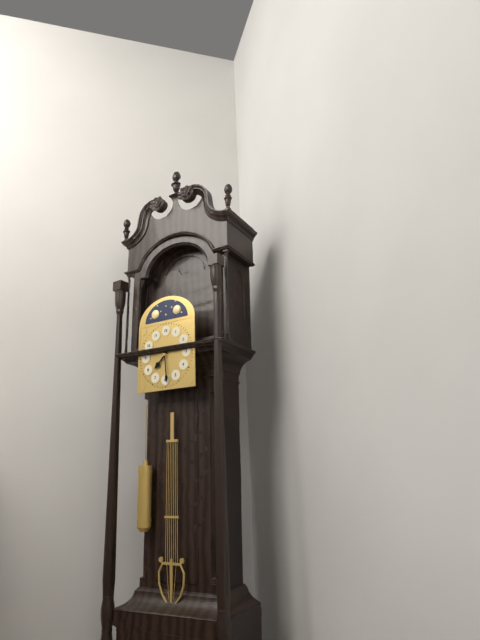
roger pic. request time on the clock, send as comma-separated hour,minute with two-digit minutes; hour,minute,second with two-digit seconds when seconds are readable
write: 7,29
